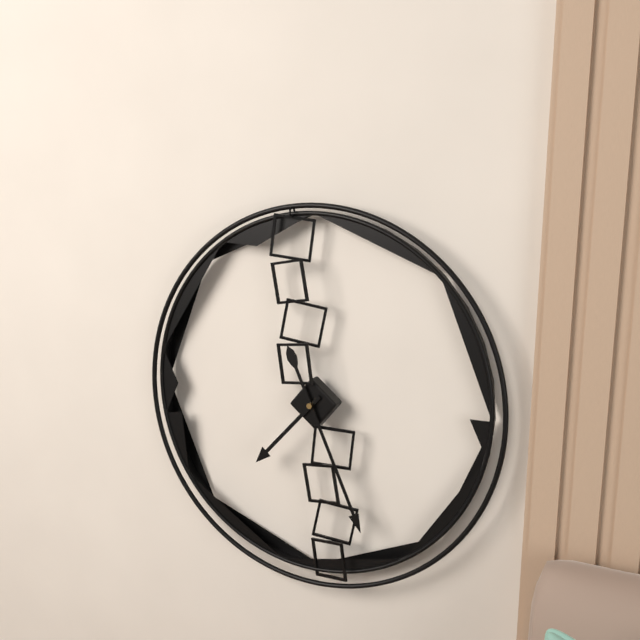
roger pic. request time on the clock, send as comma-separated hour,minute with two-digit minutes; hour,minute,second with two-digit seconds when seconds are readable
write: 7,26
